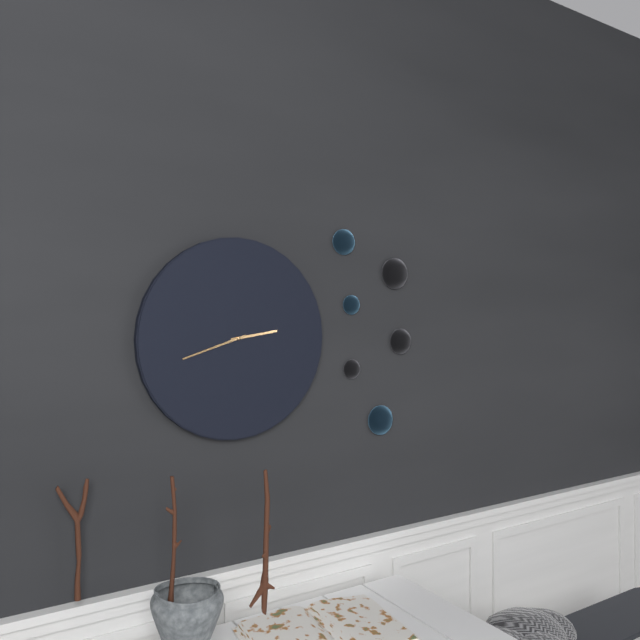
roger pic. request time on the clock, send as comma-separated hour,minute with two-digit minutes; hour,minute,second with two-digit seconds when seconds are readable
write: 2,42
